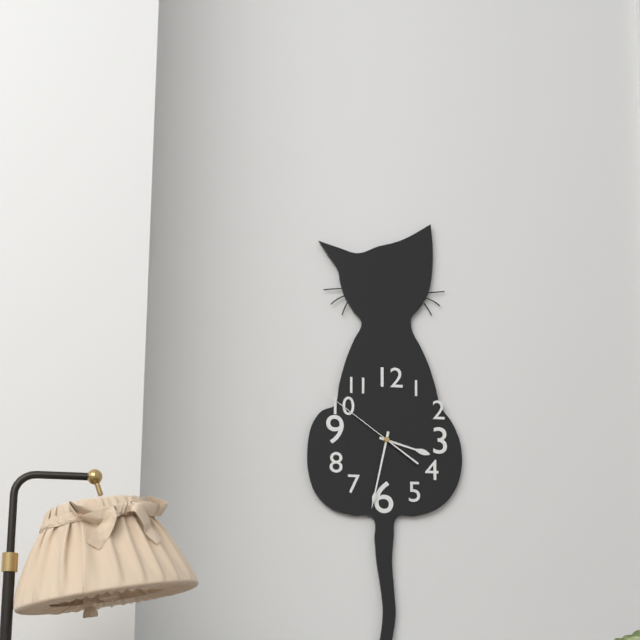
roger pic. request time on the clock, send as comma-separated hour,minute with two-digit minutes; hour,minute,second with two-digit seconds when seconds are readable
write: 3,32,51
